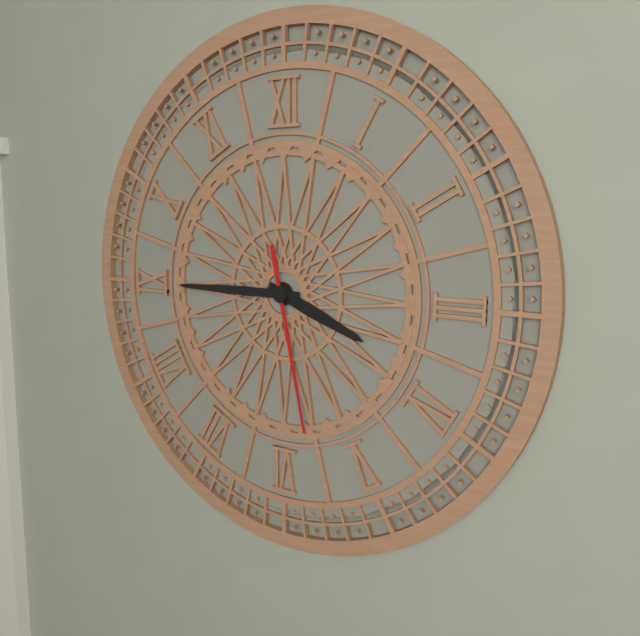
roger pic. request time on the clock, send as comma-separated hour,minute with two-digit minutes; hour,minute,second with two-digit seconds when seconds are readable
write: 3,45,28
